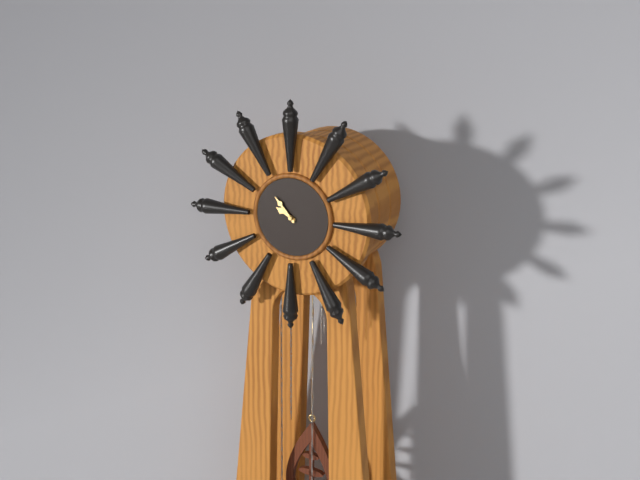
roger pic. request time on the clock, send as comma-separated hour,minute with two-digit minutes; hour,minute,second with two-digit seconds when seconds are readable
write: 9,53
